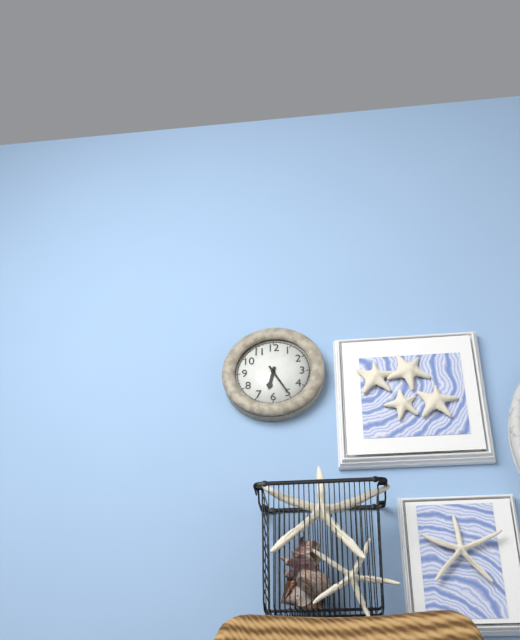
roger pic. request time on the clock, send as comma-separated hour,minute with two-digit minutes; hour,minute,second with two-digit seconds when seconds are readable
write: 6,25
